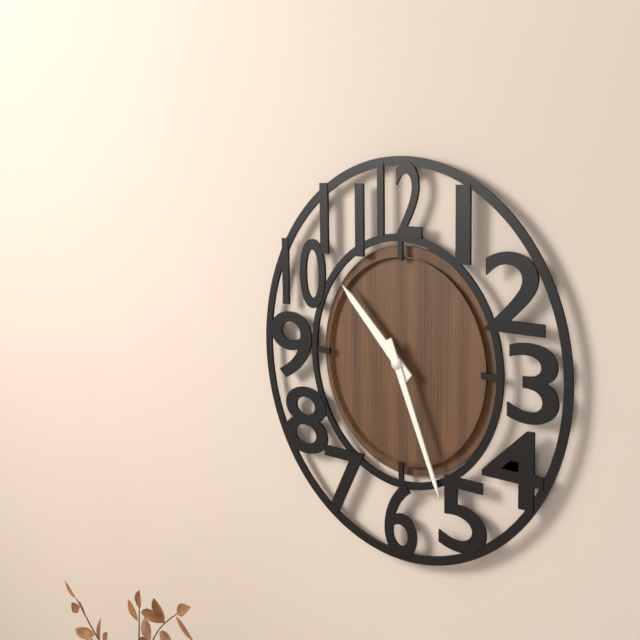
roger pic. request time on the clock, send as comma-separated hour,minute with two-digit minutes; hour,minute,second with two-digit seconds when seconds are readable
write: 10,26
